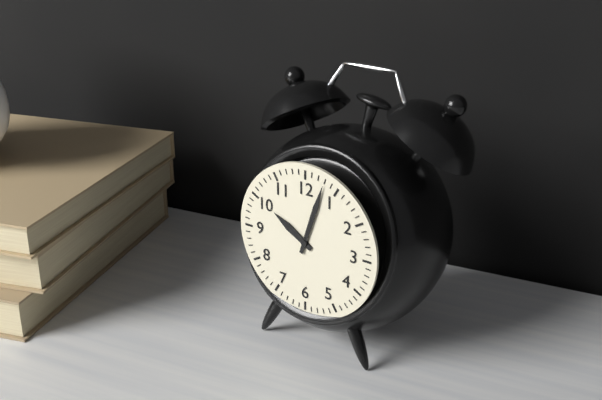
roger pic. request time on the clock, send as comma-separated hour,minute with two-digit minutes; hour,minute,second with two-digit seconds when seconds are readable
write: 10,03
